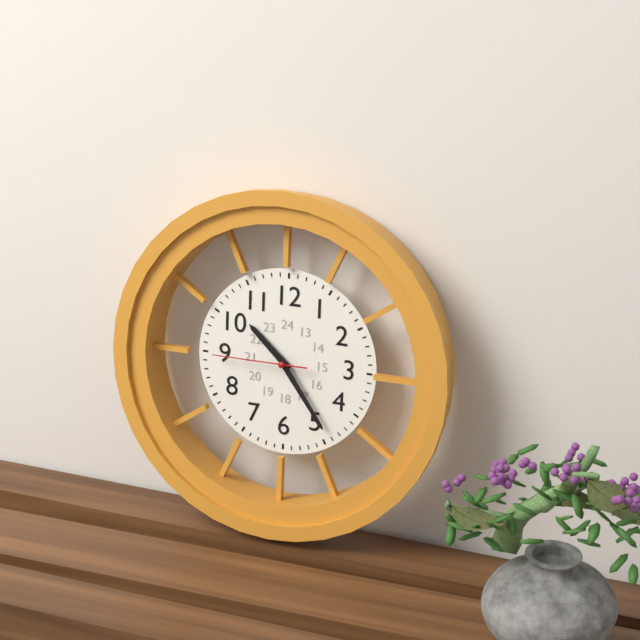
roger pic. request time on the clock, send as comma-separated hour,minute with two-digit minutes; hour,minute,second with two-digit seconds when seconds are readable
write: 10,24,45
